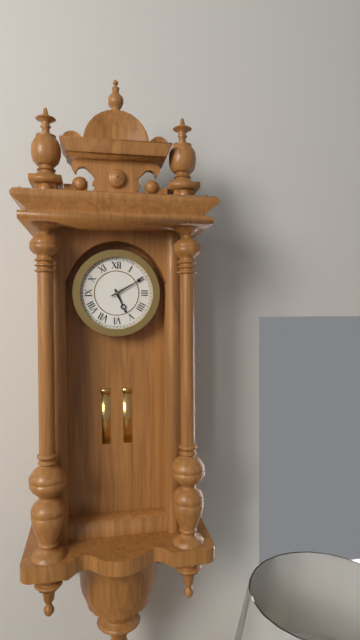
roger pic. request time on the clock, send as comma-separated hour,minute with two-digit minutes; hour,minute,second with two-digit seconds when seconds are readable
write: 5,10
